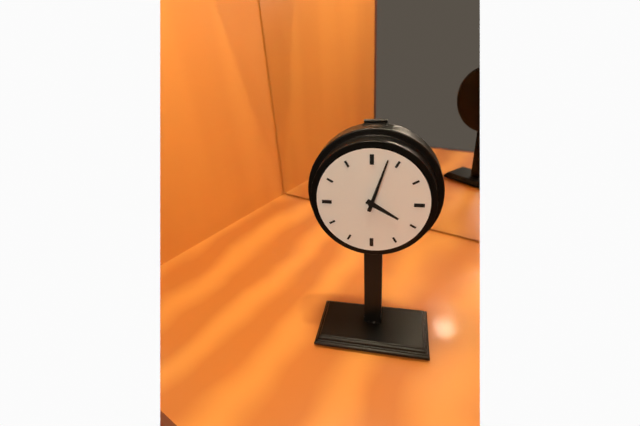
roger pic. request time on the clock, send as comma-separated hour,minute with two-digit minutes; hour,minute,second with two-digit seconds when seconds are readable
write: 4,03
